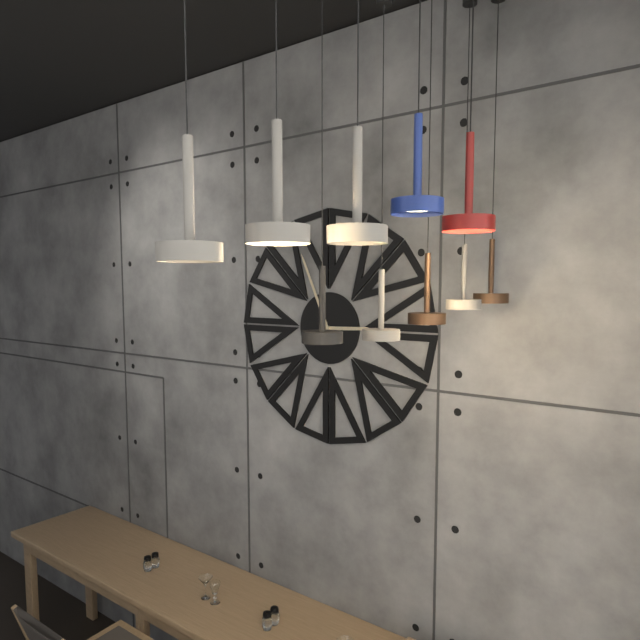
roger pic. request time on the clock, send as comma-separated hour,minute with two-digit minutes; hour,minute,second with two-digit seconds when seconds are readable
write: 2,56
